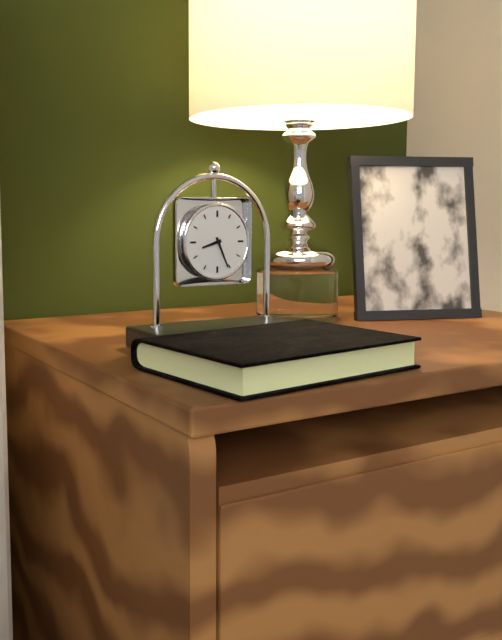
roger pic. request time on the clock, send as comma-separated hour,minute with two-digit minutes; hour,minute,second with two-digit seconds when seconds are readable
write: 8,26
